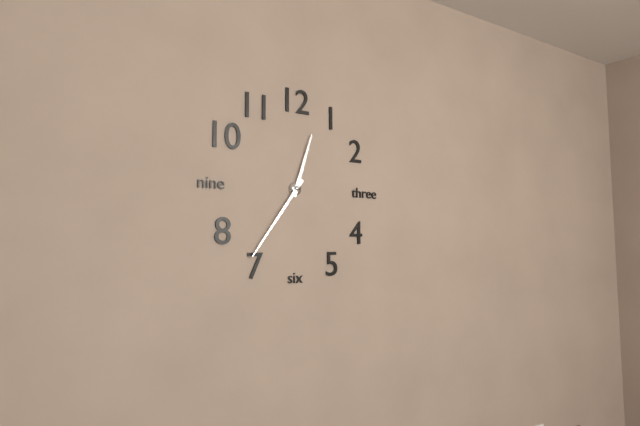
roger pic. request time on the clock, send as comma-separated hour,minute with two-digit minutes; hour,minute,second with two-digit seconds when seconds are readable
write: 12,36
